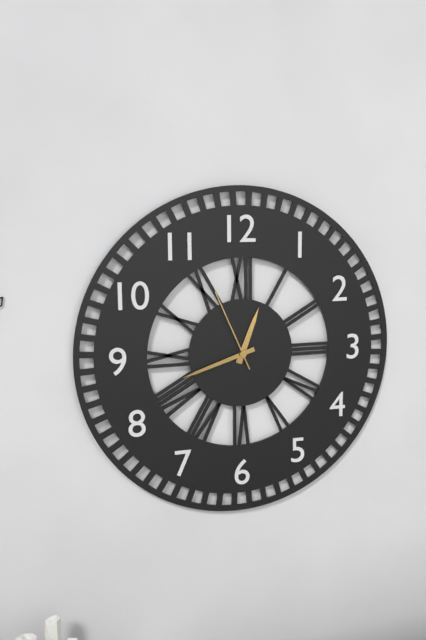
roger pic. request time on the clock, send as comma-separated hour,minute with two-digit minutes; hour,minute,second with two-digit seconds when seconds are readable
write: 12,42,56
